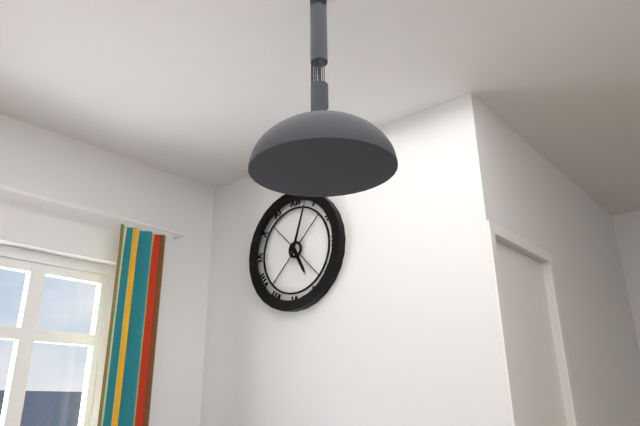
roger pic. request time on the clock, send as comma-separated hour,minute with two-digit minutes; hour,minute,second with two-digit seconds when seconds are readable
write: 5,03
